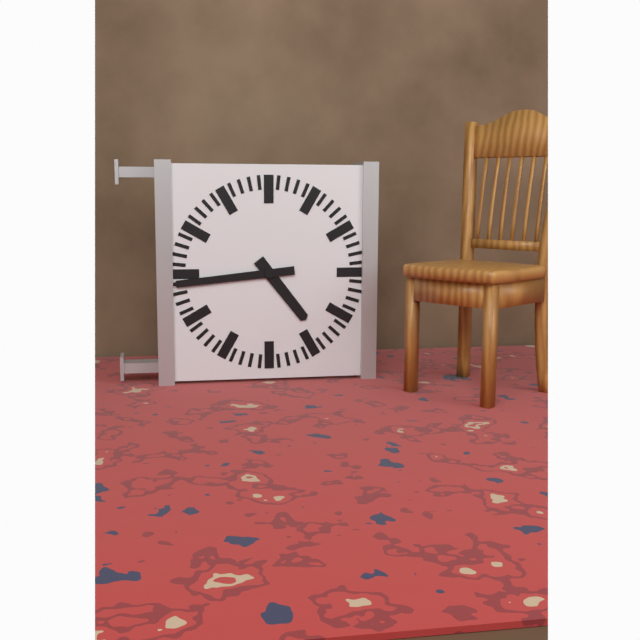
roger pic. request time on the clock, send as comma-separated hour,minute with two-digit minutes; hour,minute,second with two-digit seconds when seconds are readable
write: 4,44
